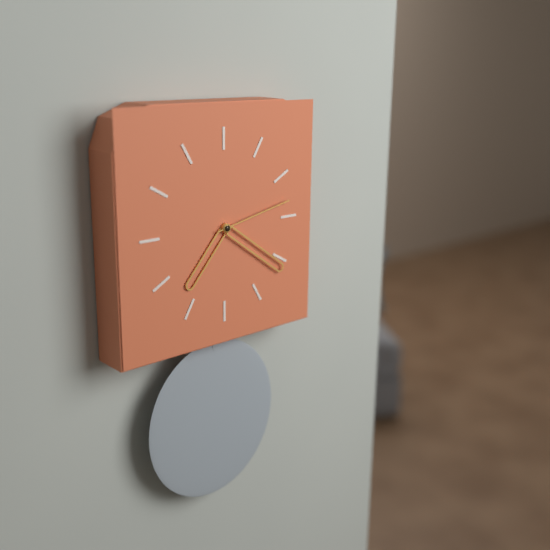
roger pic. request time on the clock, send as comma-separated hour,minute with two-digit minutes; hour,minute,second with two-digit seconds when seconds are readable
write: 7,21,13
